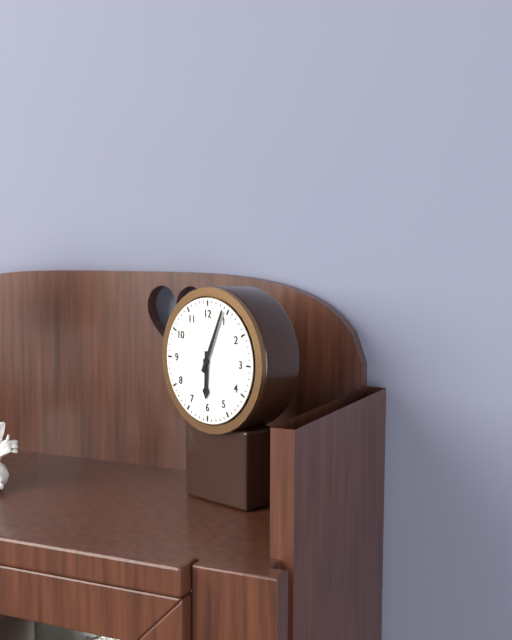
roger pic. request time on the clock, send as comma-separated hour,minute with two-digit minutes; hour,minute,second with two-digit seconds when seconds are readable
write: 6,04
